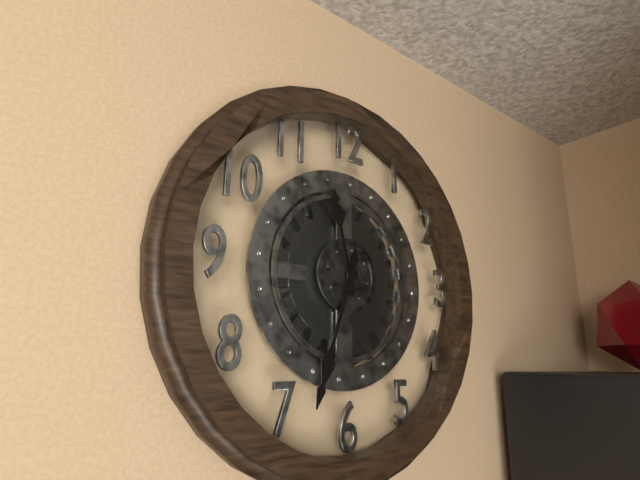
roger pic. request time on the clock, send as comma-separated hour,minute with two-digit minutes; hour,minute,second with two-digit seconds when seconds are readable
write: 11,33
